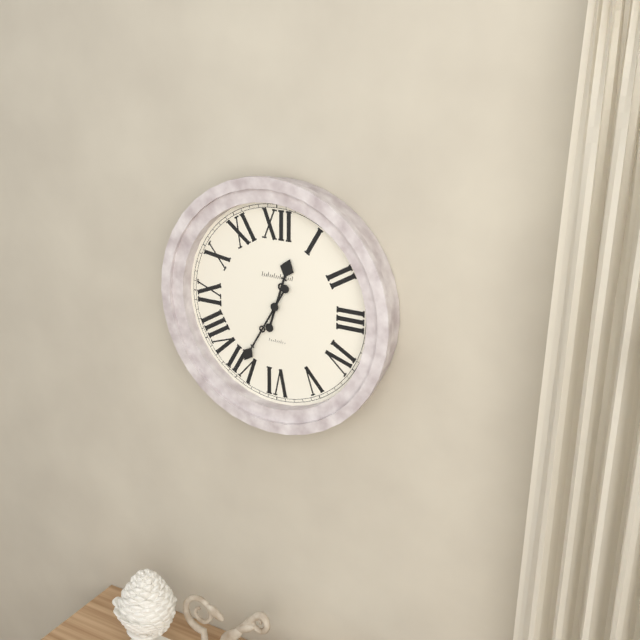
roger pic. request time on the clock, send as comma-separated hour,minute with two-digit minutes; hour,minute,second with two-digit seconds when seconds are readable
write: 12,35
